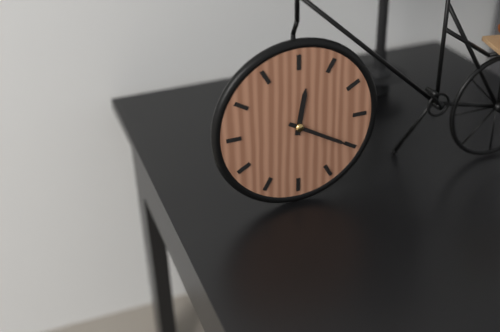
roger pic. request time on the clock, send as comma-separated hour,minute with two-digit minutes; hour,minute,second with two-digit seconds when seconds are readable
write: 12,20
